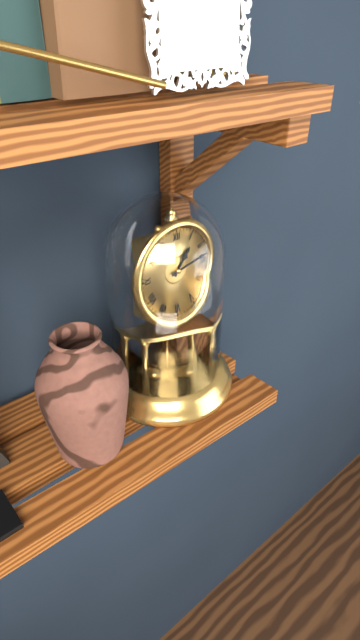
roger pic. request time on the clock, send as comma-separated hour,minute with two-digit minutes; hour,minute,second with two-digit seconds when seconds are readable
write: 1,13
